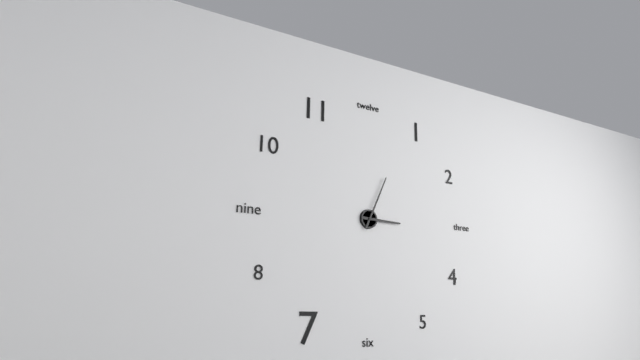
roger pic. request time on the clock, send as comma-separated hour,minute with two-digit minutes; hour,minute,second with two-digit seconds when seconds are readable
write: 3,04
